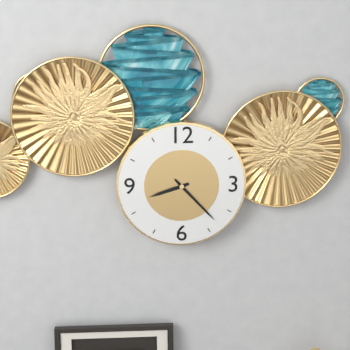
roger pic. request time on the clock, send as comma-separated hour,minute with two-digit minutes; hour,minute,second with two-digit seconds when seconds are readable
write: 8,23
